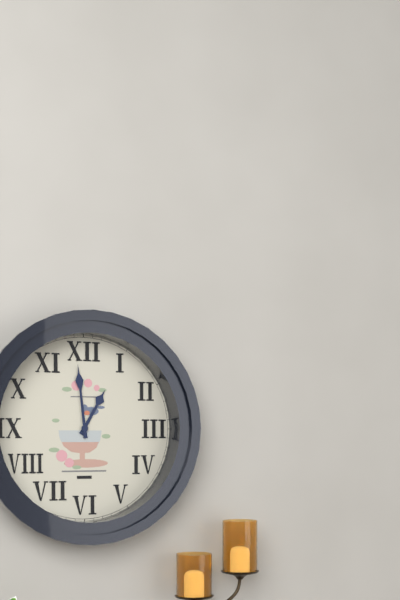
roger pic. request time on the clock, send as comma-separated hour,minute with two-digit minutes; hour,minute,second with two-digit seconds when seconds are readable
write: 12,59
